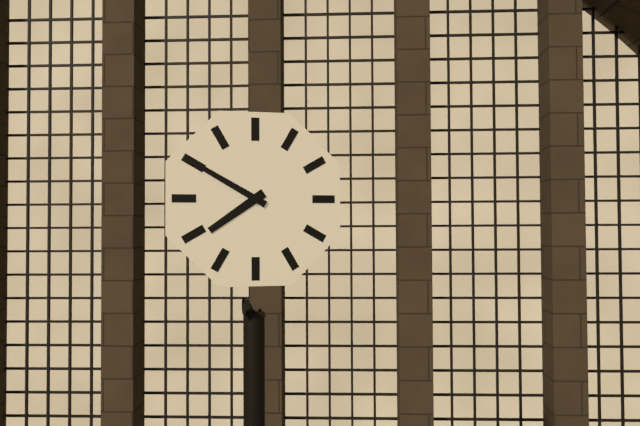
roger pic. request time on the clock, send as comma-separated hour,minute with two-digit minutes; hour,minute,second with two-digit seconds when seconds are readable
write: 7,50
